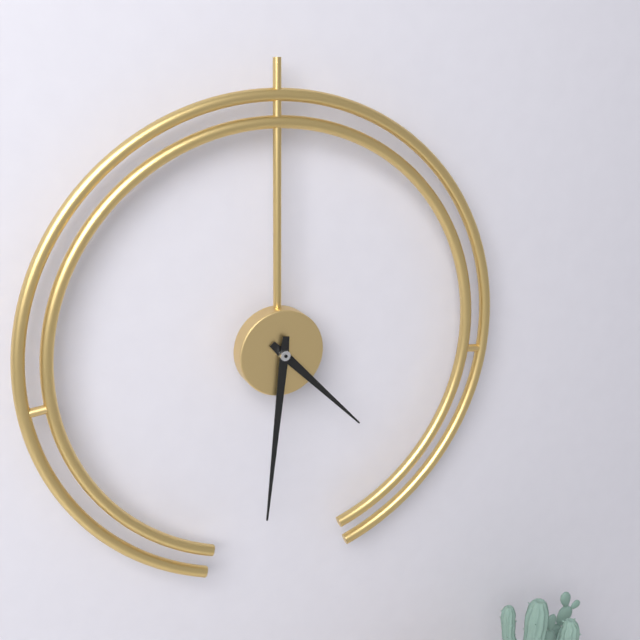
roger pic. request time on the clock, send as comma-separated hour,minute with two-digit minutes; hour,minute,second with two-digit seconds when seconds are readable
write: 4,31
